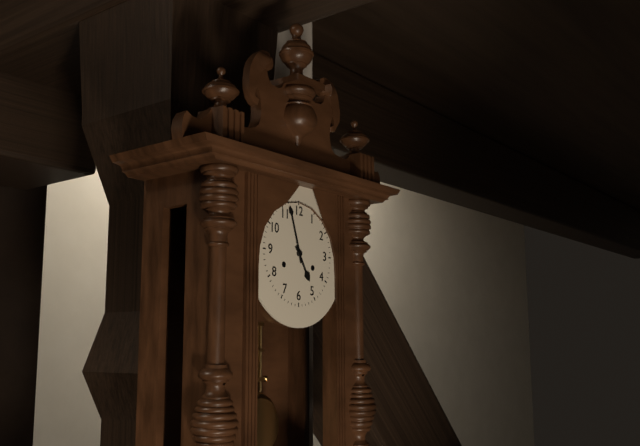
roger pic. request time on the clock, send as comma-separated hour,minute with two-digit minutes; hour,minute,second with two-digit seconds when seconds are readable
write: 4,57
